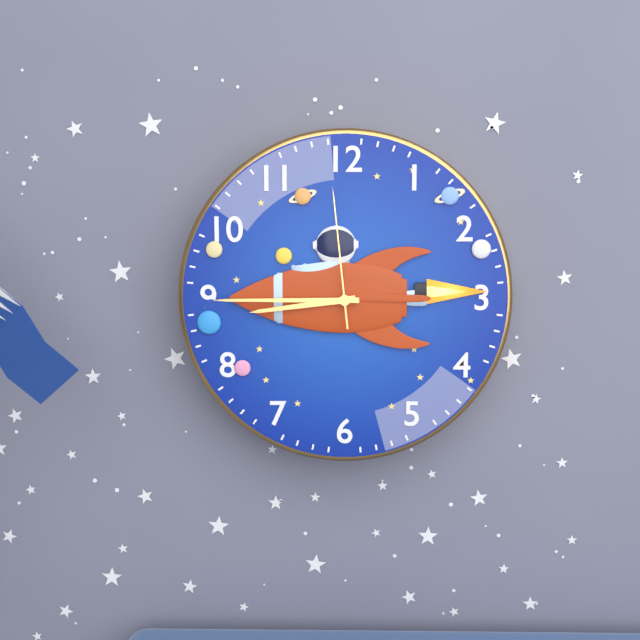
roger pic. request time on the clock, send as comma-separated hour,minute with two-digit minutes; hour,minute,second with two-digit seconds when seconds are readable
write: 8,45,59
